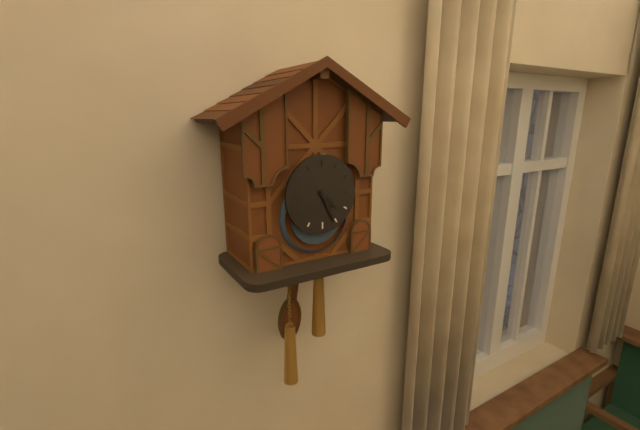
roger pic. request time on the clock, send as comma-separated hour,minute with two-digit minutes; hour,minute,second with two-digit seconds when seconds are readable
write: 4,26
